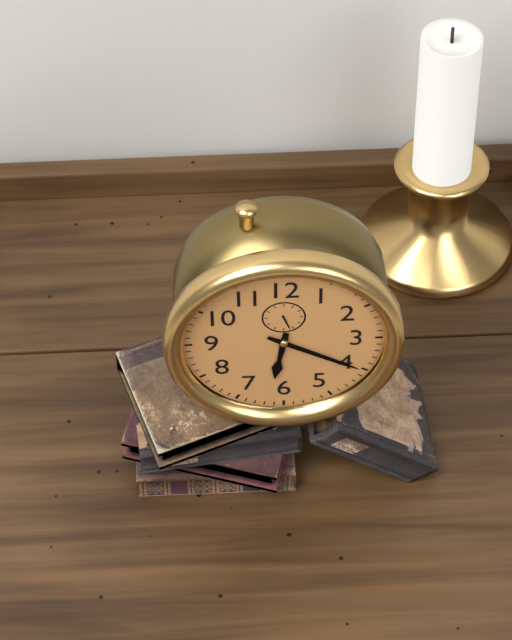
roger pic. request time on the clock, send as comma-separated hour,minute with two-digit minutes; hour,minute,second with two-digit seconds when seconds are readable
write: 6,20
